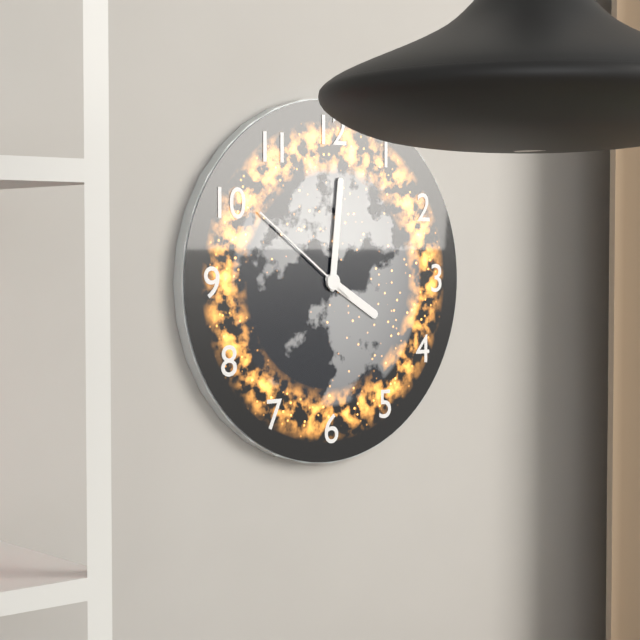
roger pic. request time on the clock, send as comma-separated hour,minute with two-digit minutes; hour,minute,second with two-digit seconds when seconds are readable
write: 4,01,51
